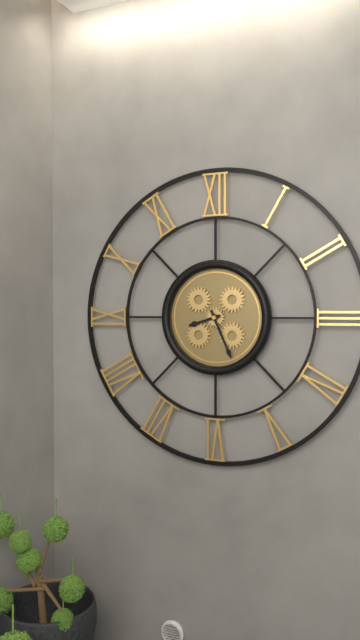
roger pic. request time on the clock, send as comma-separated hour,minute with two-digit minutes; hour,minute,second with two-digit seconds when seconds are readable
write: 8,26
